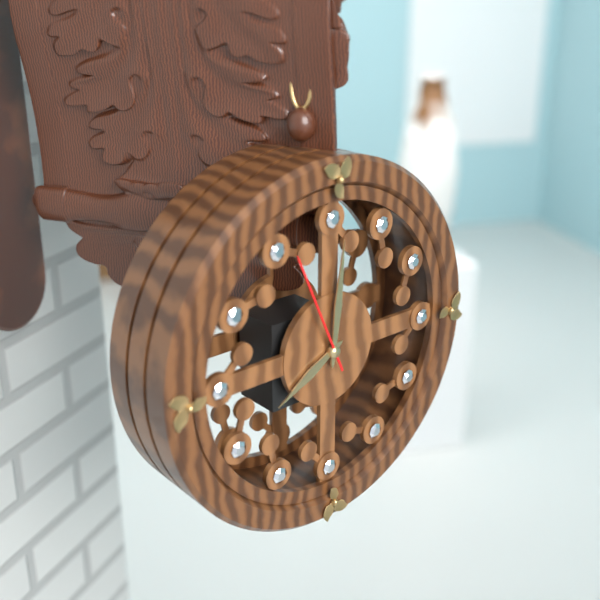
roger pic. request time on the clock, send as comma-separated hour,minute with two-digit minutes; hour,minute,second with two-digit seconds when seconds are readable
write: 8,01,56
